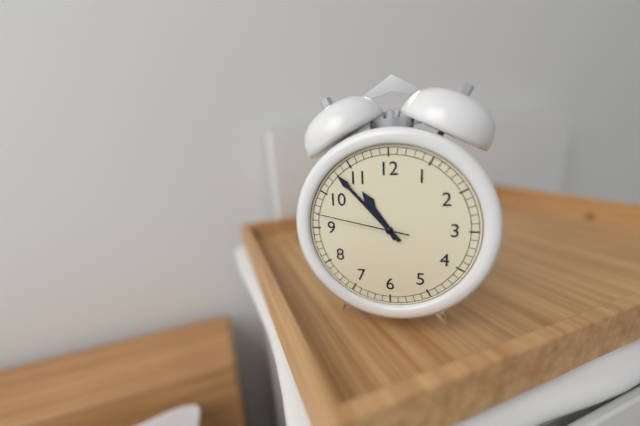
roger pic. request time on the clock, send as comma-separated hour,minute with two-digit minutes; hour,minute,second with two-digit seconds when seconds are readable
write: 10,53,47
